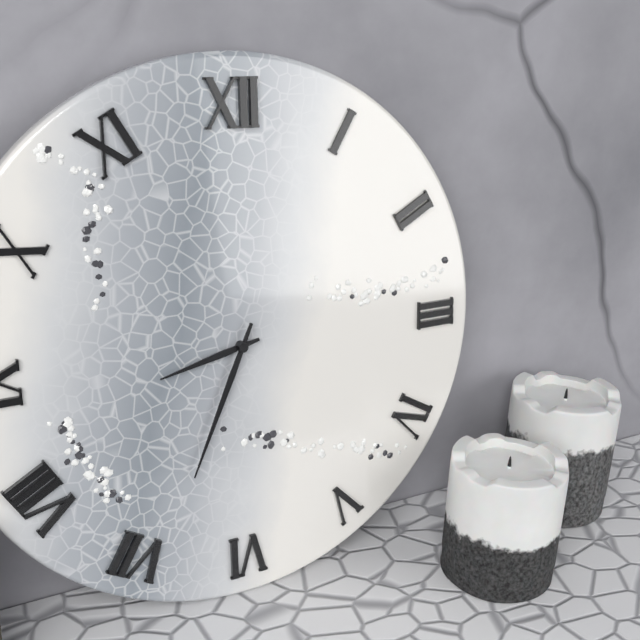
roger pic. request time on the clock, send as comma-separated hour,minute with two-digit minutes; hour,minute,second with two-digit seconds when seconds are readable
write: 8,34
